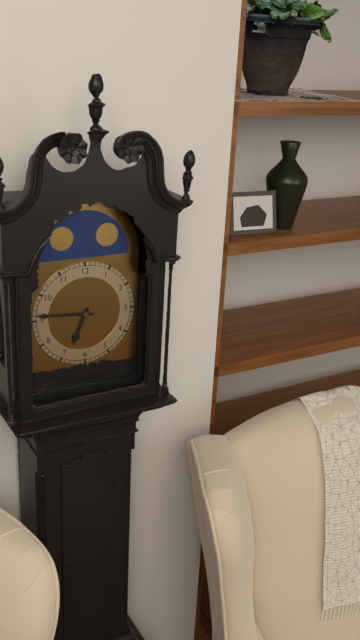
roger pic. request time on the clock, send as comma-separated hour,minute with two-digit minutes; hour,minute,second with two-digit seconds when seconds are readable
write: 6,46
